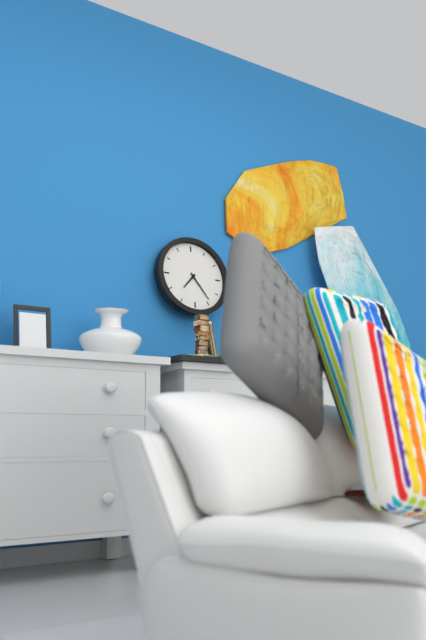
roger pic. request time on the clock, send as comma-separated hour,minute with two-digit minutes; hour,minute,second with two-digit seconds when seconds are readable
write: 7,24
